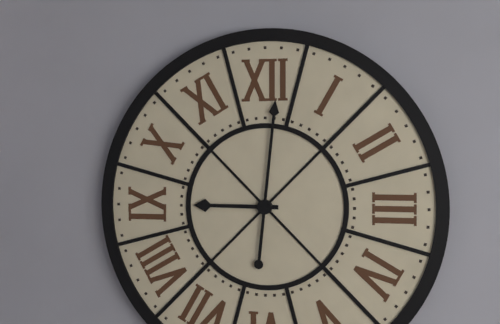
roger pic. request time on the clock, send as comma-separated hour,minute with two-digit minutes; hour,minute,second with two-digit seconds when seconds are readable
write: 9,01
